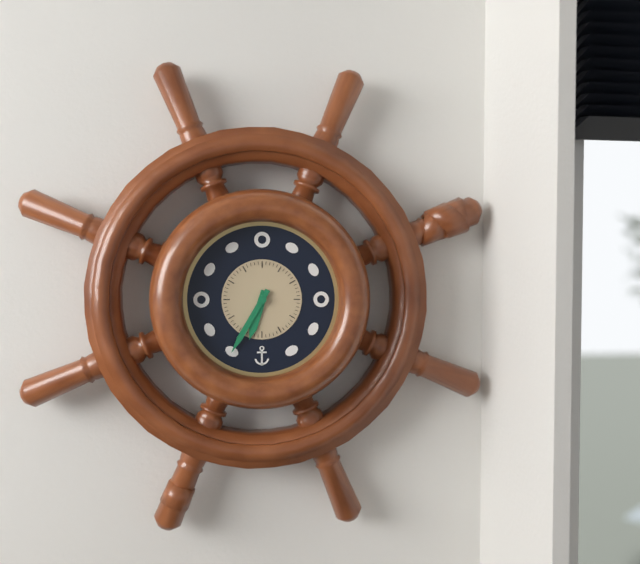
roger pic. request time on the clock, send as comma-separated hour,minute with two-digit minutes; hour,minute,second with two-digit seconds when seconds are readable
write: 6,35
